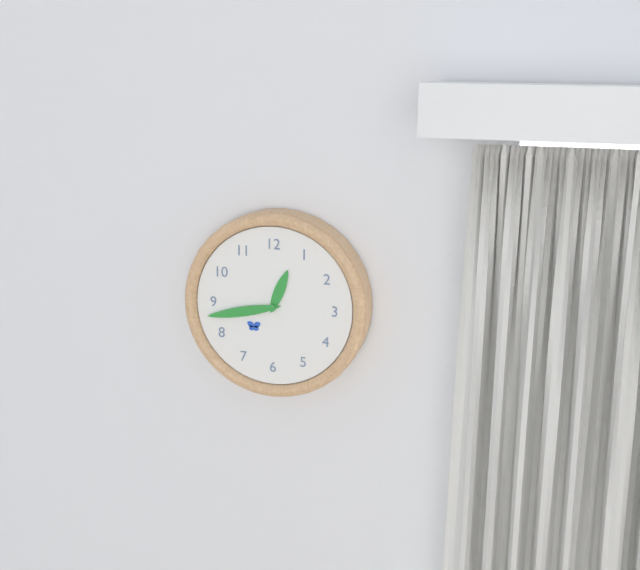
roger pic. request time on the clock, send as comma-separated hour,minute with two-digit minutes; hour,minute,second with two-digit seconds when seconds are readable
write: 12,43
